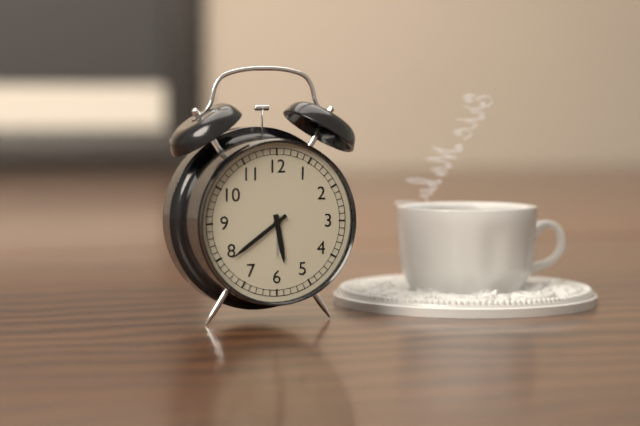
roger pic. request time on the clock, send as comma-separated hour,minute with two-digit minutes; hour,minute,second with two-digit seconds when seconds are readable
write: 5,39
